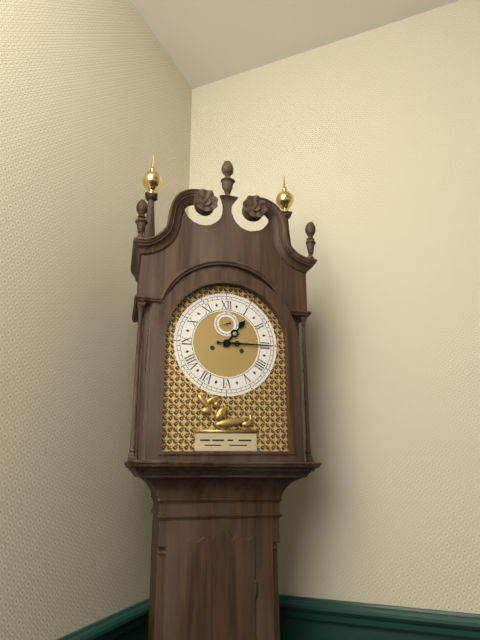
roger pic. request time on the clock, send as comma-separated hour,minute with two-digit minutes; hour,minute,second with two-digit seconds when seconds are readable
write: 1,15
